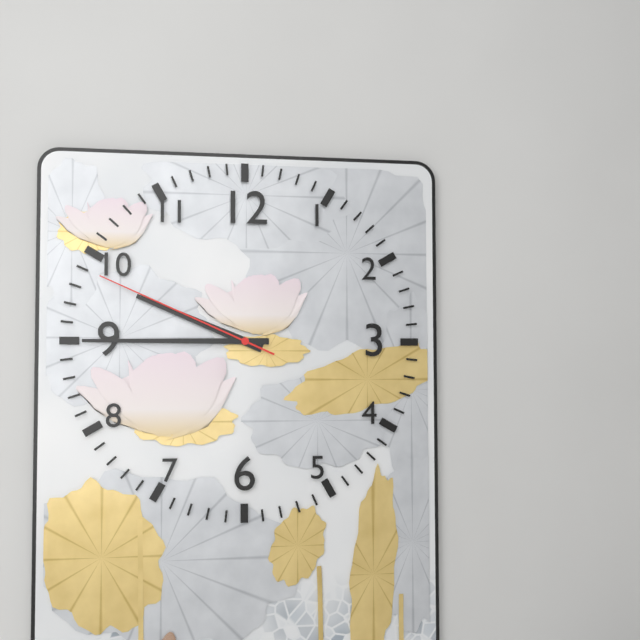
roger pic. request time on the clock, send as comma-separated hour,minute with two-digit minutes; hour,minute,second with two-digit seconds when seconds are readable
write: 9,45,49
